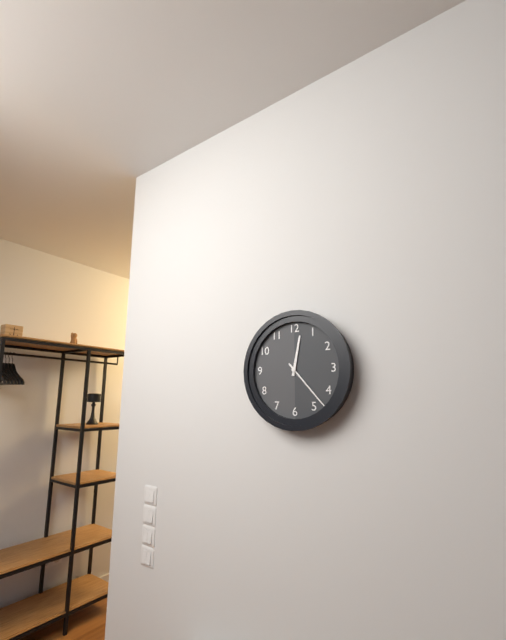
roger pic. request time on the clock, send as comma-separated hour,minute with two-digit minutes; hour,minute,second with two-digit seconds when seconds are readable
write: 12,23
